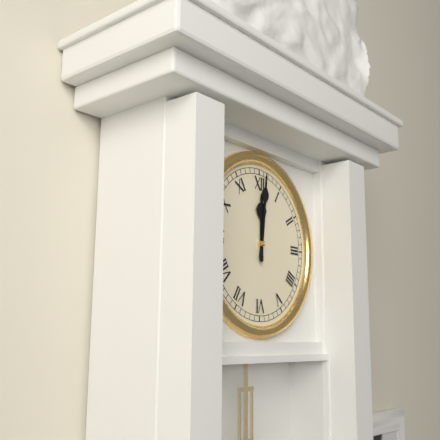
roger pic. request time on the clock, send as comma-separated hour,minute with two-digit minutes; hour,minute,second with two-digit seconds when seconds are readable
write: 12,01
